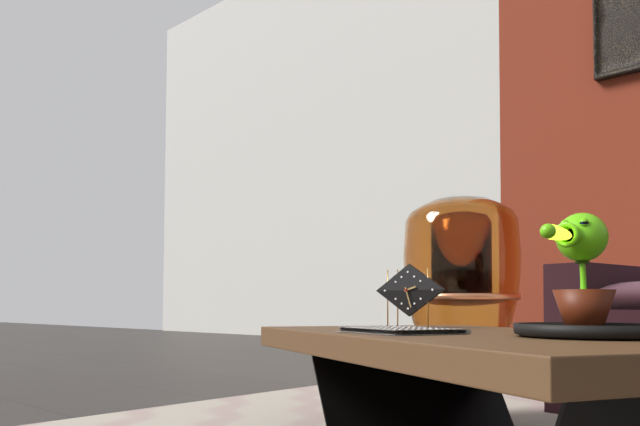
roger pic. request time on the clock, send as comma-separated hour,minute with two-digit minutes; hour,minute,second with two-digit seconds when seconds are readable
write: 2,27
